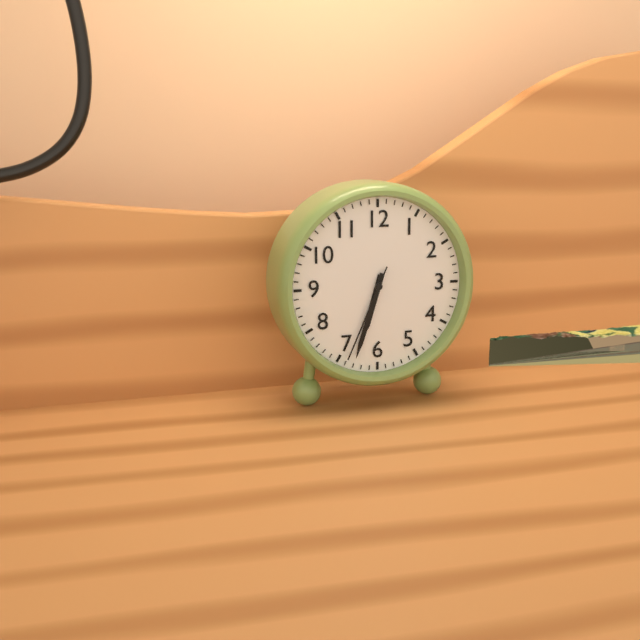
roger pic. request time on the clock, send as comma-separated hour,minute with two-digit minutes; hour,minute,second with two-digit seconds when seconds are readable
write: 6,33,34
